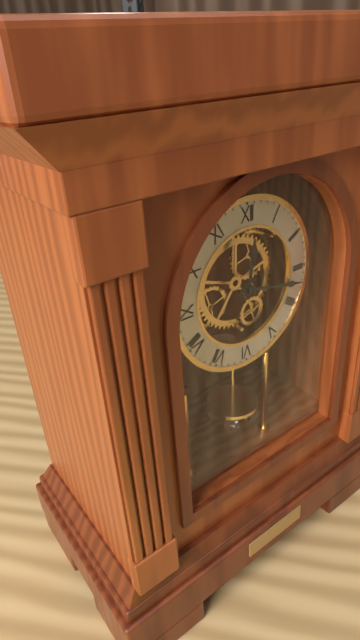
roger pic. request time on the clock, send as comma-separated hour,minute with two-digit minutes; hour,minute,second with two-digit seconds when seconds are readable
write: 12,17
